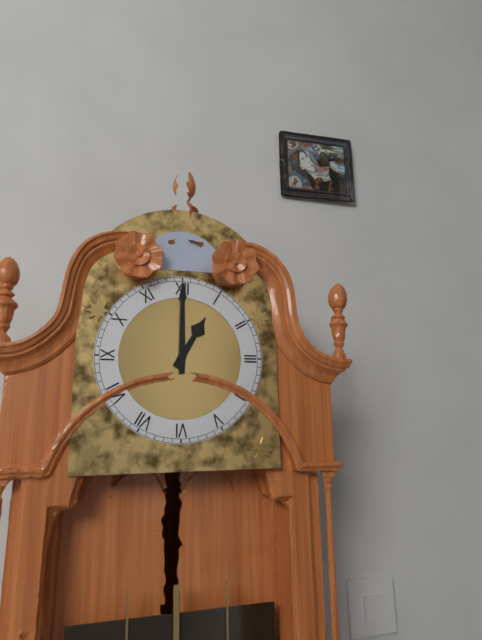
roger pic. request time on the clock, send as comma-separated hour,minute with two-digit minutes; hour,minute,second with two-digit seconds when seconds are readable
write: 1,00
